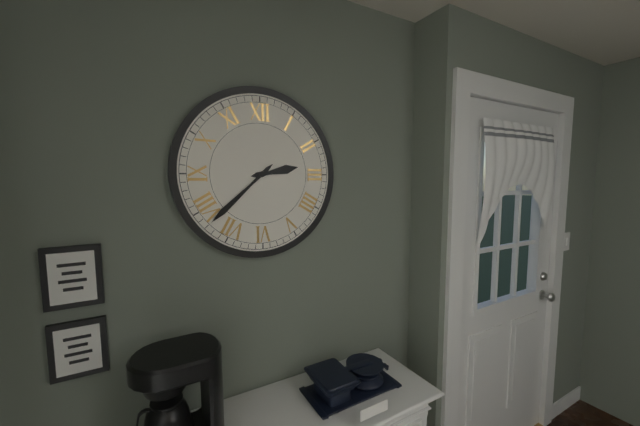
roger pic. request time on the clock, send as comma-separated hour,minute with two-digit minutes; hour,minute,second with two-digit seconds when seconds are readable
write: 2,38
